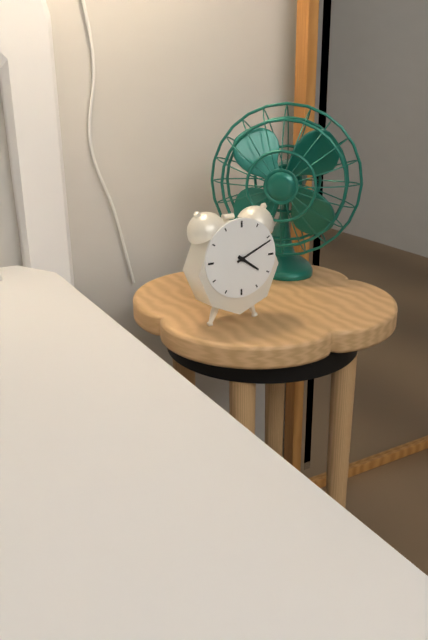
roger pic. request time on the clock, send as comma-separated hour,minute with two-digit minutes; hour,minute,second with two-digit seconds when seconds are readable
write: 4,11
